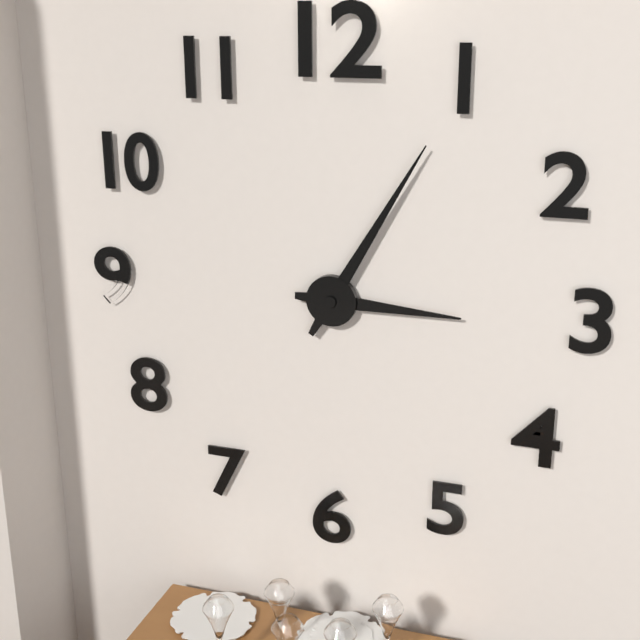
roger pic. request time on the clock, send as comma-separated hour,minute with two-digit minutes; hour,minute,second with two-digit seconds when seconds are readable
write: 3,05
